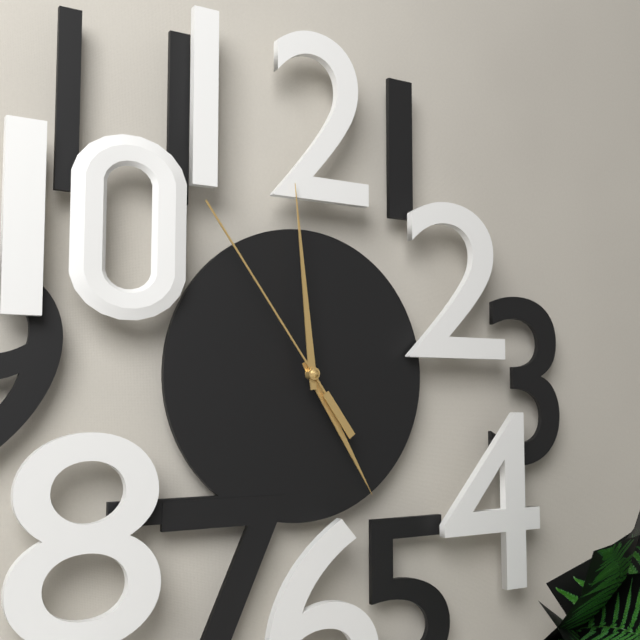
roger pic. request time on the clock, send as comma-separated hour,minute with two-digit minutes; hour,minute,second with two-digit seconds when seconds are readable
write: 4,59,54
